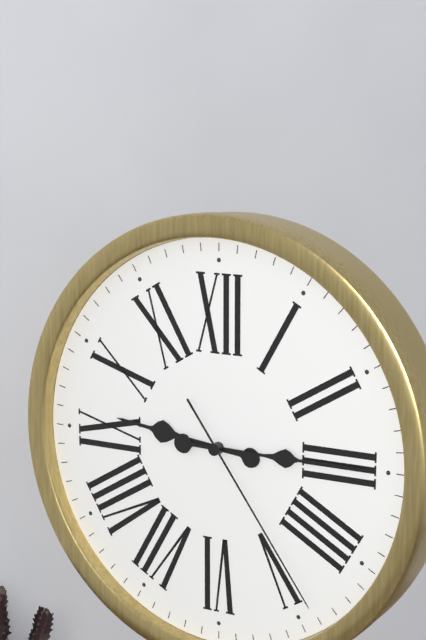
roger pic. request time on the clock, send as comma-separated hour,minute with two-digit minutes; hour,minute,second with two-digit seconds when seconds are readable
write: 9,15,24
